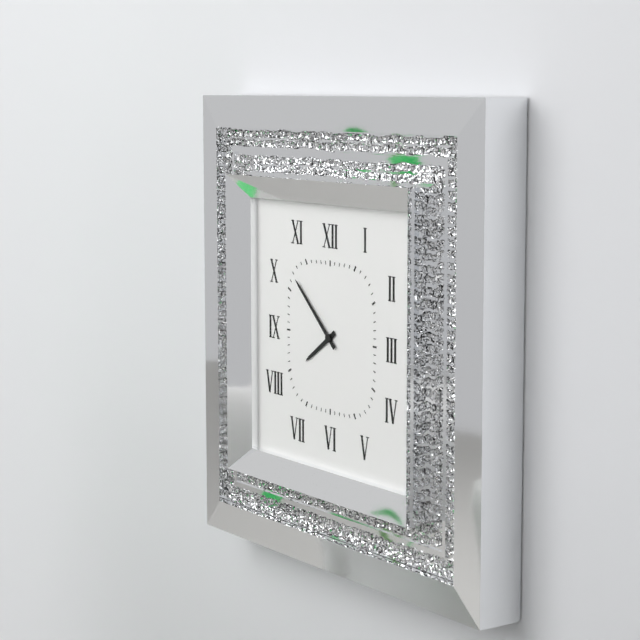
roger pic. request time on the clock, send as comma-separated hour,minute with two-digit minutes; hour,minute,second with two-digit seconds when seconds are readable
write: 7,52
